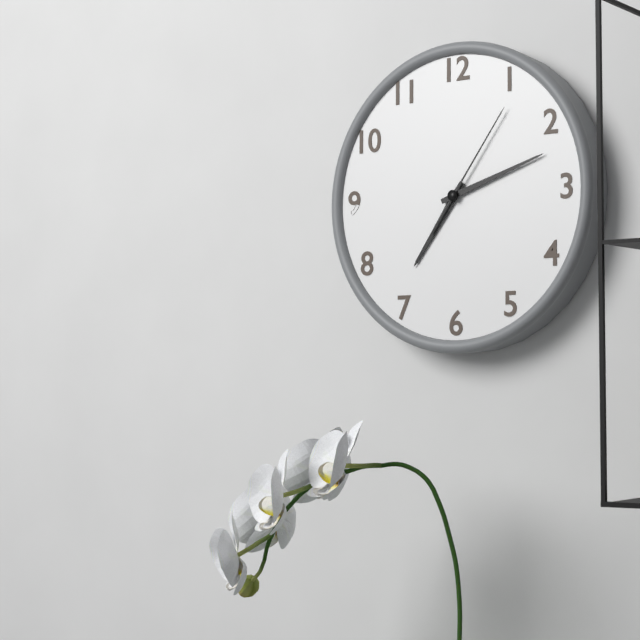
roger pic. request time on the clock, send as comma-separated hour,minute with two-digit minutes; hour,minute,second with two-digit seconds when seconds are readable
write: 7,12,06
